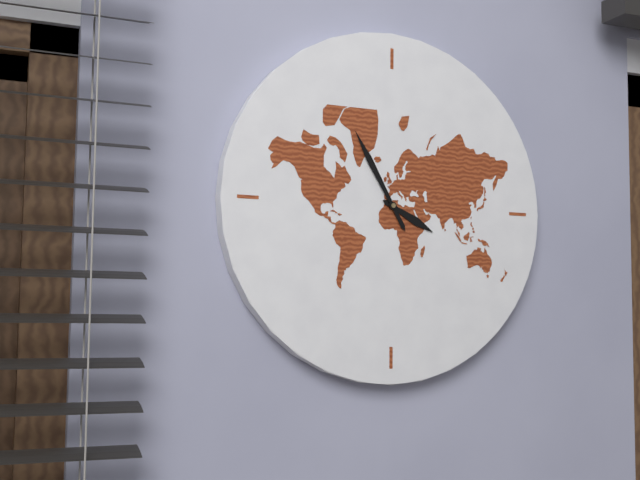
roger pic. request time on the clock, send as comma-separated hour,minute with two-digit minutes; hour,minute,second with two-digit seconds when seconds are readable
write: 3,55
